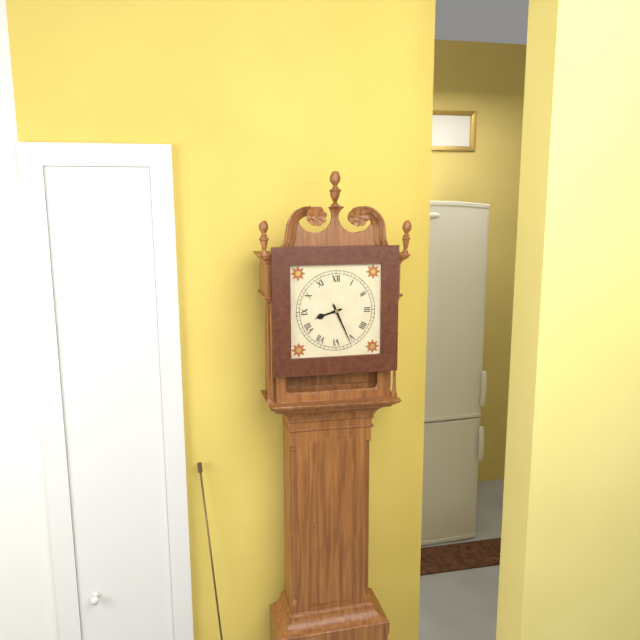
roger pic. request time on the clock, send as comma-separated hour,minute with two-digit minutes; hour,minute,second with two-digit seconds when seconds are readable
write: 8,26
